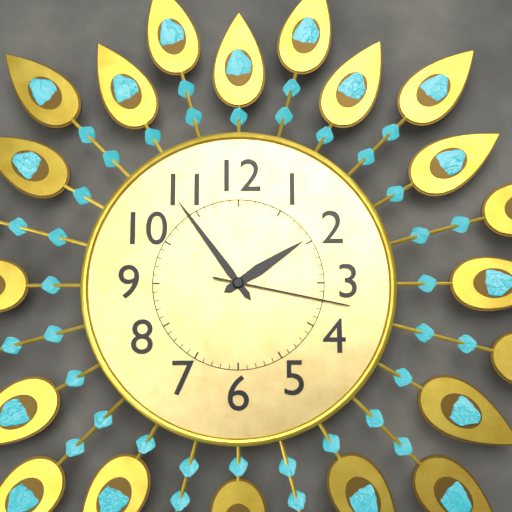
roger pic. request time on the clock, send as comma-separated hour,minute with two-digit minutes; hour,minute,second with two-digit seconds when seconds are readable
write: 1,54,17
